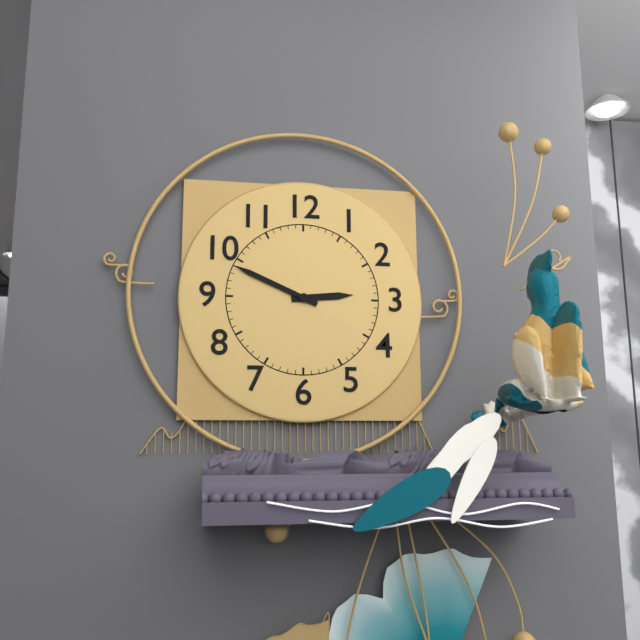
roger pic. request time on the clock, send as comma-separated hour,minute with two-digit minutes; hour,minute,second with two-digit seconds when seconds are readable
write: 2,49
